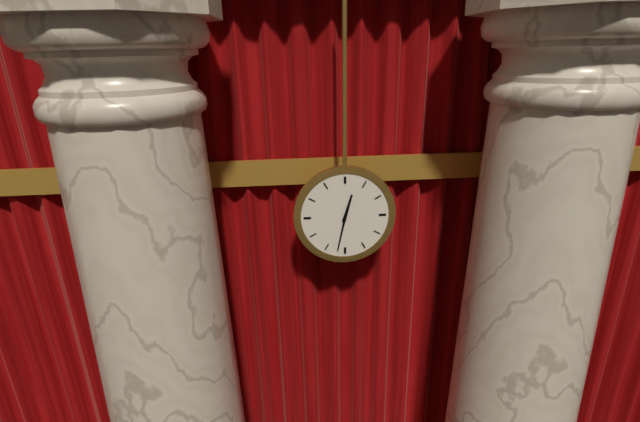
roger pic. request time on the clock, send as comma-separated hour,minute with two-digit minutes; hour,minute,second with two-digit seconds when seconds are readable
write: 12,32
